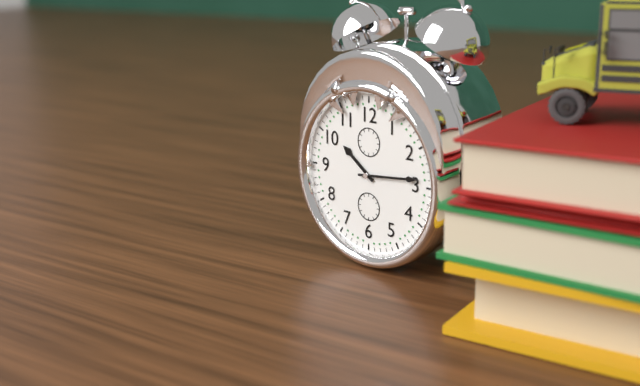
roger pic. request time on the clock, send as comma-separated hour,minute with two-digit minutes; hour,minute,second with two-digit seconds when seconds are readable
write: 10,14
